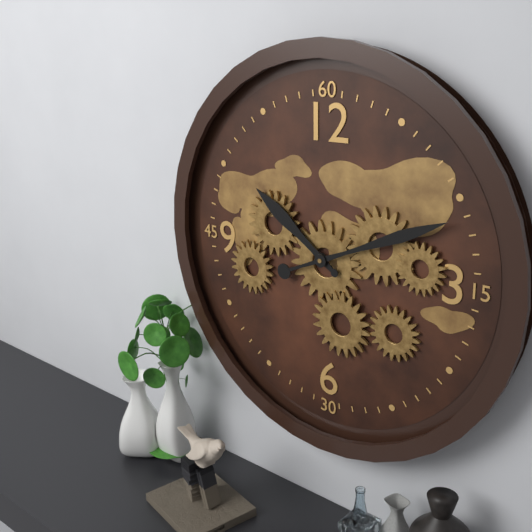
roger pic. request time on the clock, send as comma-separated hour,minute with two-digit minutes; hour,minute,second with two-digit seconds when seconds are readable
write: 10,11
